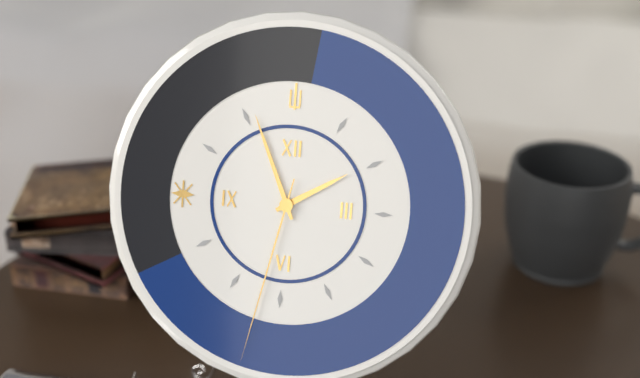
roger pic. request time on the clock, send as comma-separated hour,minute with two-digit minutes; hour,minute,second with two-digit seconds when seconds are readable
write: 1,56,32
